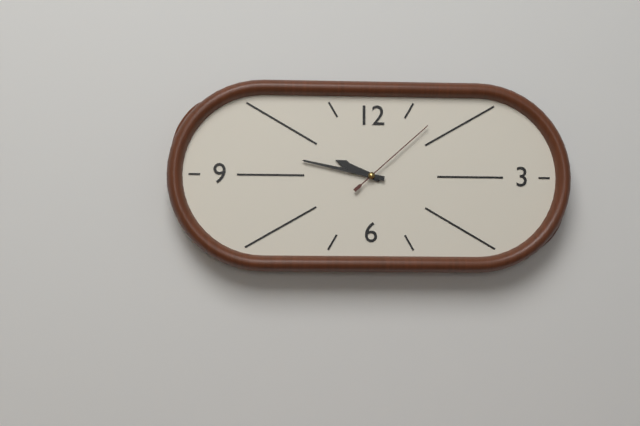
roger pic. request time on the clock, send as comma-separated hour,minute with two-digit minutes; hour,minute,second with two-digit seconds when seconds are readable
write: 9,47,08
